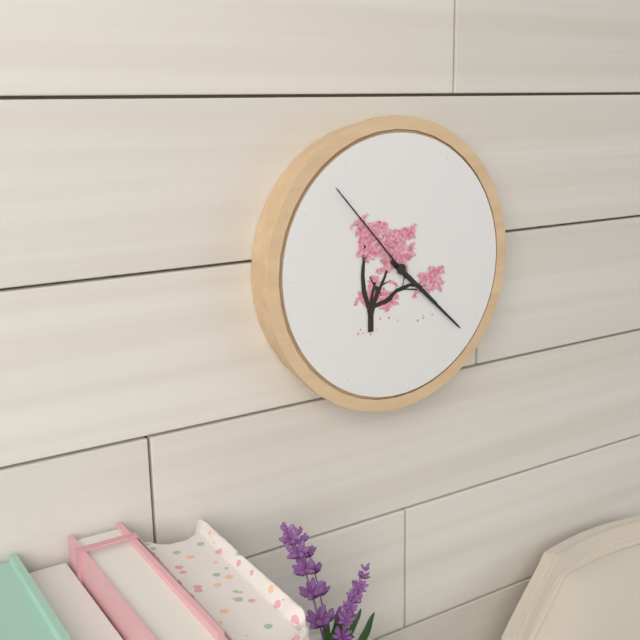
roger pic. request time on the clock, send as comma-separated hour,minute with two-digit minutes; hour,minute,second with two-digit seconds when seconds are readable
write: 4,22,53
